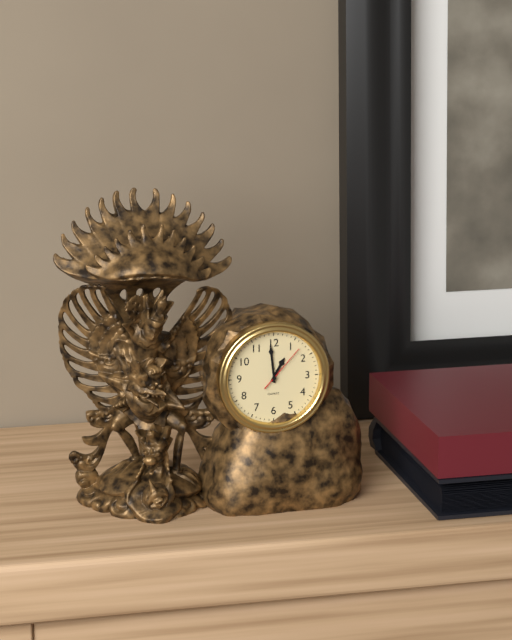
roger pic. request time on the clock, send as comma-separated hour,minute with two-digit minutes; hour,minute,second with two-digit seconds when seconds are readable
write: 12,59
